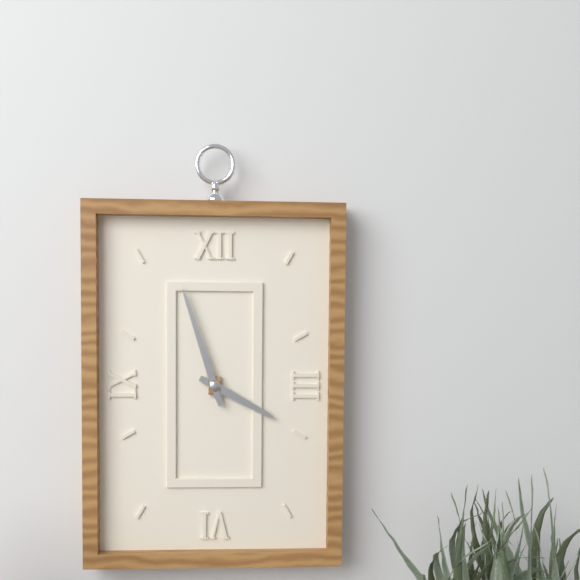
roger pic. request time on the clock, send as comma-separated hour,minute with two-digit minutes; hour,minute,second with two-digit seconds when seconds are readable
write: 3,57
